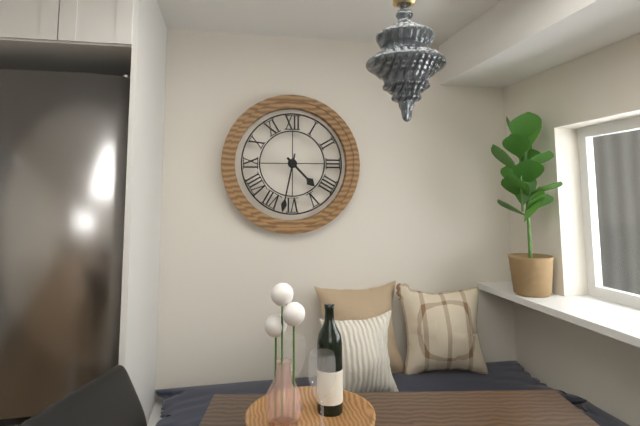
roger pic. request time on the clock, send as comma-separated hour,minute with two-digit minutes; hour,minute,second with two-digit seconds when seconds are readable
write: 4,32
